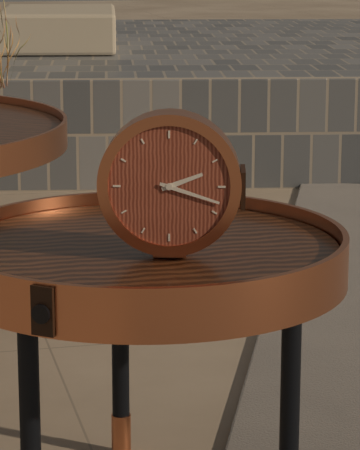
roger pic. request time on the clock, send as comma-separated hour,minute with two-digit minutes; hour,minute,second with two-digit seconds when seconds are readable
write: 2,18
